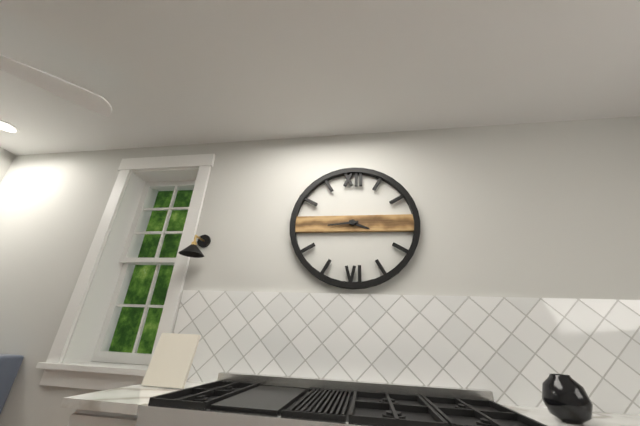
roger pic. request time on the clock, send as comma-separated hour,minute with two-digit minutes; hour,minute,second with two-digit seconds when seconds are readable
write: 3,44
